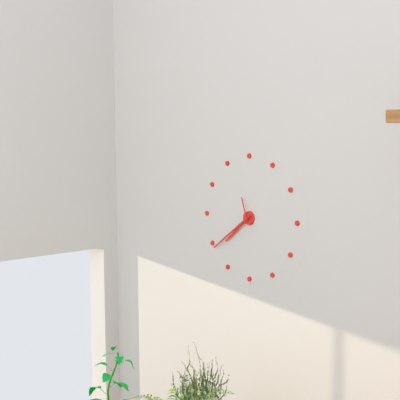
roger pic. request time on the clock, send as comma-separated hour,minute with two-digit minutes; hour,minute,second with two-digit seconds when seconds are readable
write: 7,39
